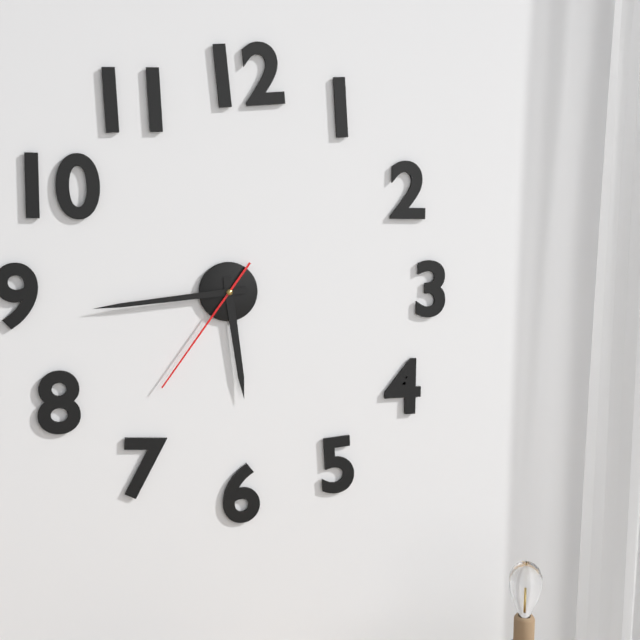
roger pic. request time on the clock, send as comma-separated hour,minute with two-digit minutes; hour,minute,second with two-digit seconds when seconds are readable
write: 5,44,36
